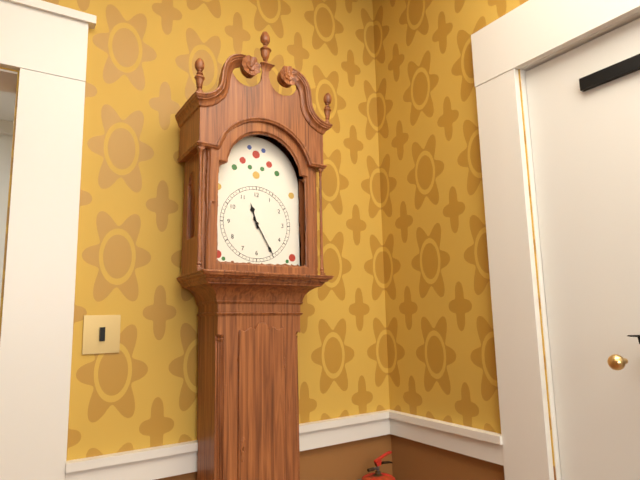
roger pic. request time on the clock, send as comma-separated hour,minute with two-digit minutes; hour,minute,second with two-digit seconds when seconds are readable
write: 11,25
